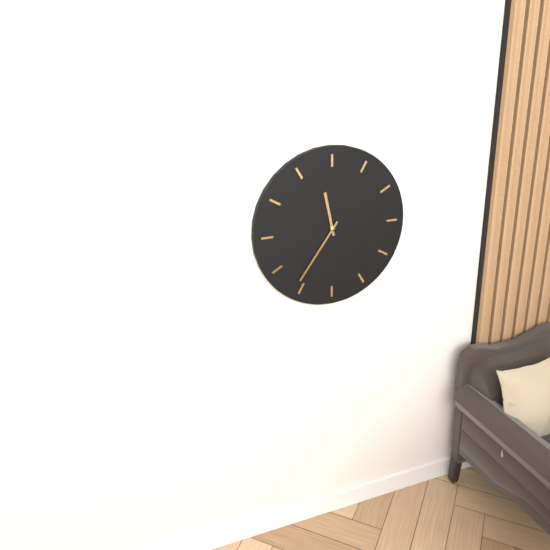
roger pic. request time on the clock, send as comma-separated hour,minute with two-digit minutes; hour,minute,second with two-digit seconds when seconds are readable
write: 11,36
